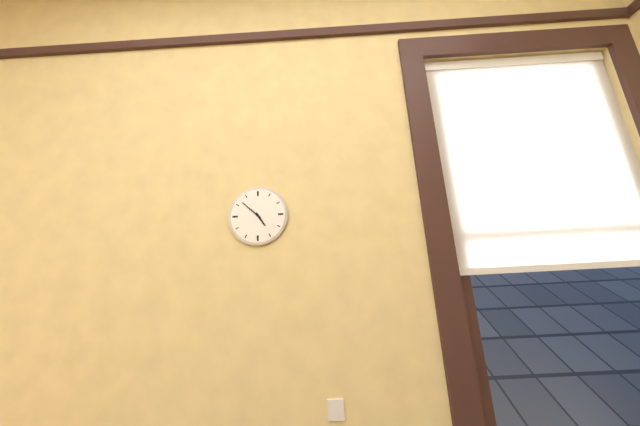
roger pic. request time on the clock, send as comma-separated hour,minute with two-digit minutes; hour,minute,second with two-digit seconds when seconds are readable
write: 4,52
